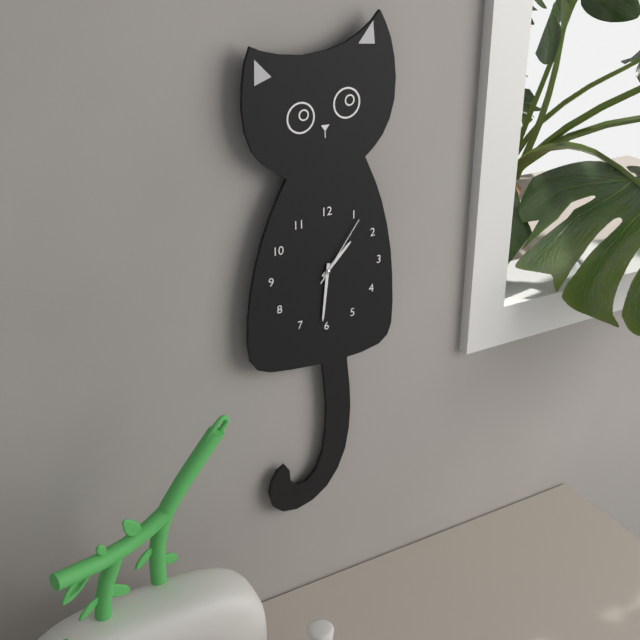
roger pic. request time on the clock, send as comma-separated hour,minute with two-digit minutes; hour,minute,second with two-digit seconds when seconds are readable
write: 1,31,06
